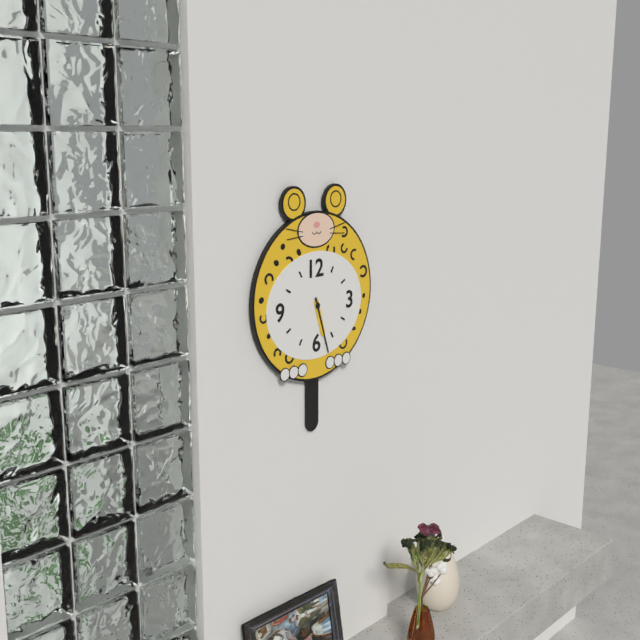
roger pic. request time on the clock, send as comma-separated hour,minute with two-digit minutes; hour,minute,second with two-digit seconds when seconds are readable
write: 5,27
